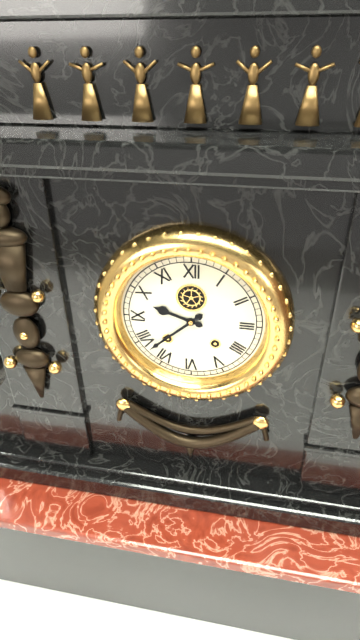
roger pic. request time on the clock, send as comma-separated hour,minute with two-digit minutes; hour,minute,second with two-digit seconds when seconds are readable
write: 9,38
